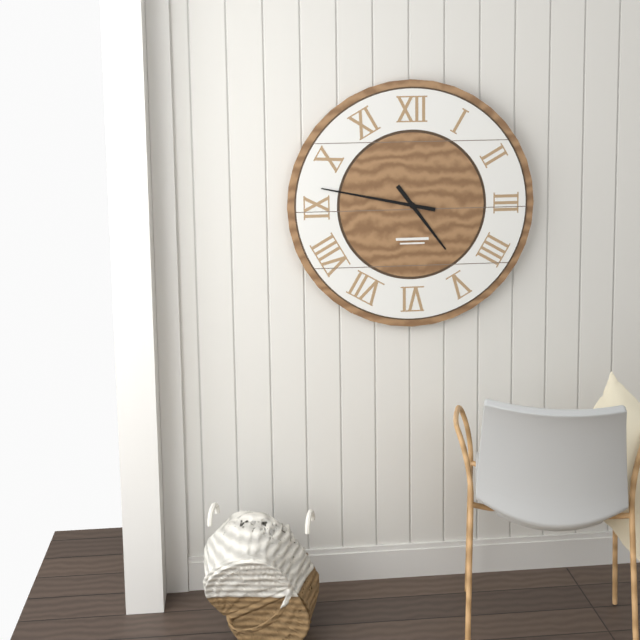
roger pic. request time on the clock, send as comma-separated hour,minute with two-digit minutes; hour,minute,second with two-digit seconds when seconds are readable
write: 4,47
